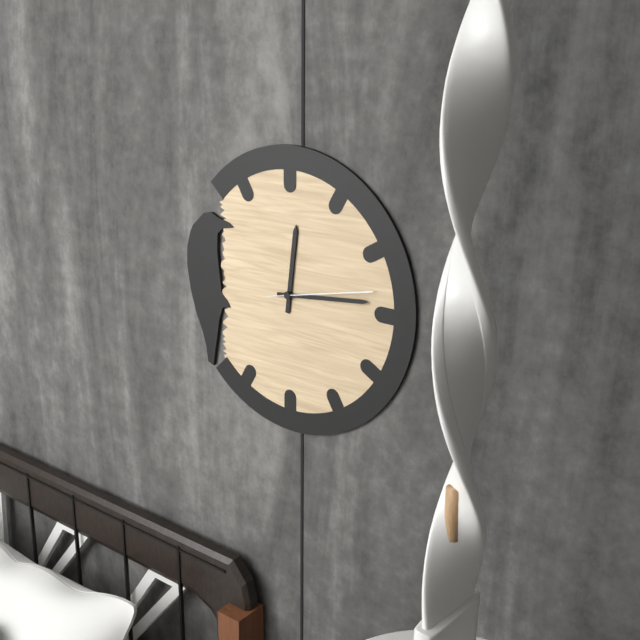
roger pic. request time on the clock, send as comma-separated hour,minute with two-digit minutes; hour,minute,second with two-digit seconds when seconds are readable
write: 12,14,13
